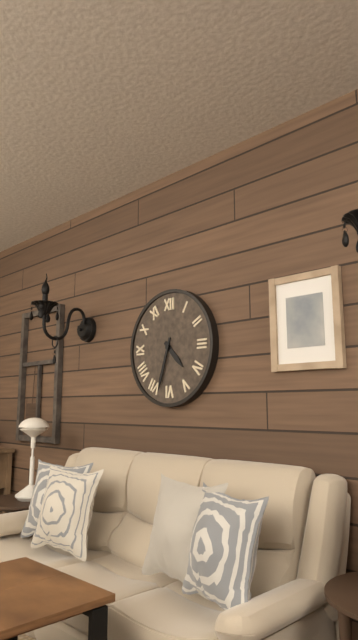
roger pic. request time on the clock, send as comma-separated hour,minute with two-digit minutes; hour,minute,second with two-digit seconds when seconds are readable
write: 4,33
